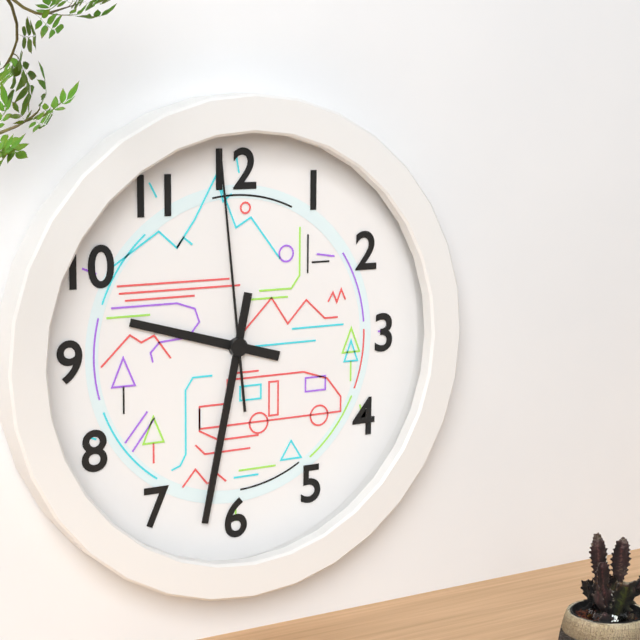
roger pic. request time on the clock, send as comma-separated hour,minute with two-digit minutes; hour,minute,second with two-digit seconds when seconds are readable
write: 9,32,59
